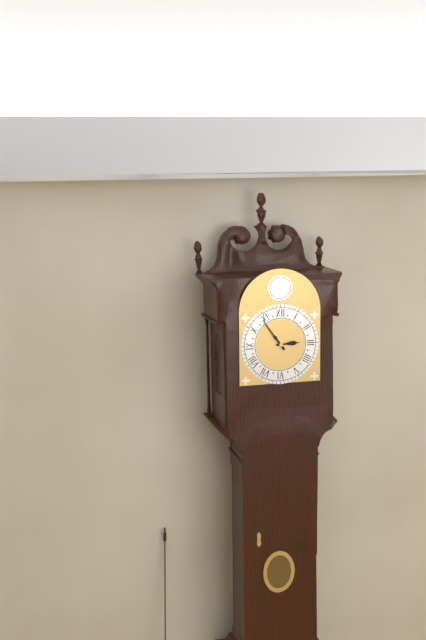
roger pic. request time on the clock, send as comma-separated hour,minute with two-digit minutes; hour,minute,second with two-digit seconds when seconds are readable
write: 2,54
